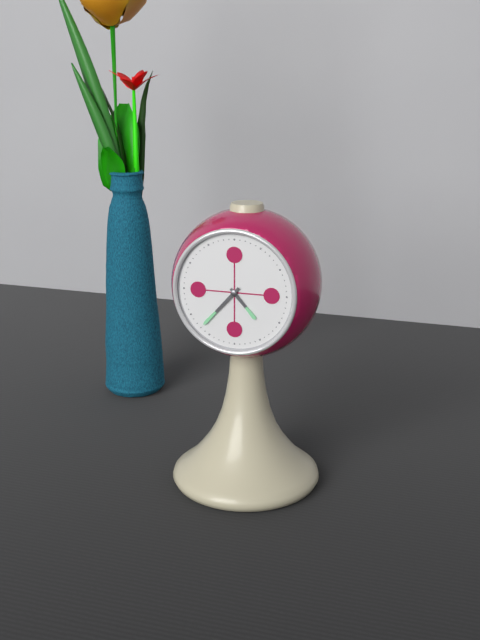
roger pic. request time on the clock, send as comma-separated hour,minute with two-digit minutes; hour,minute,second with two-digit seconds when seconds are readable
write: 4,37
